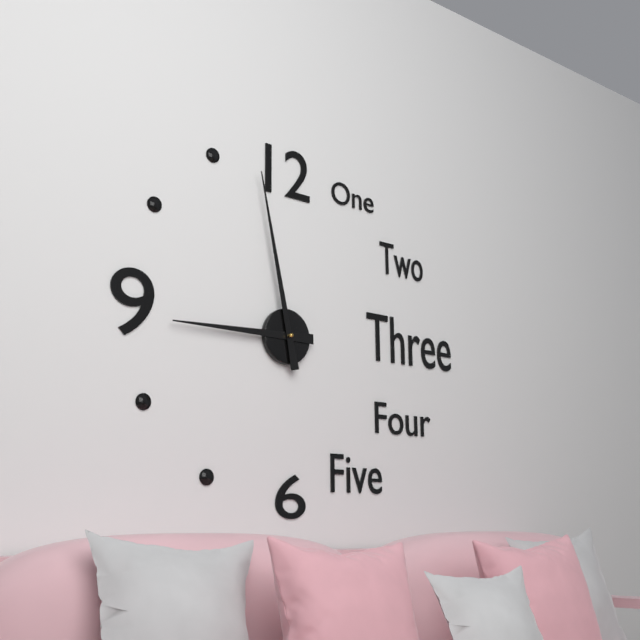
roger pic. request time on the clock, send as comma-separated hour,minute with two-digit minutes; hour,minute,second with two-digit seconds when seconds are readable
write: 8,58
